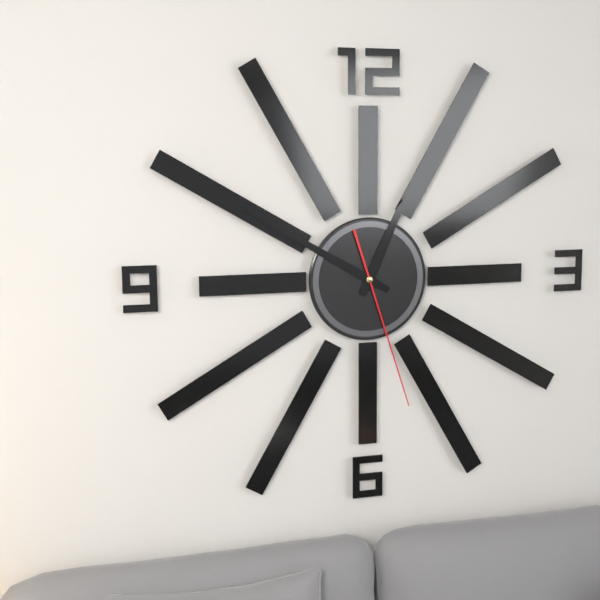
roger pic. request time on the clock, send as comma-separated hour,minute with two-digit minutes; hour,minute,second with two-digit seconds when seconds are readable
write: 12,50,27
